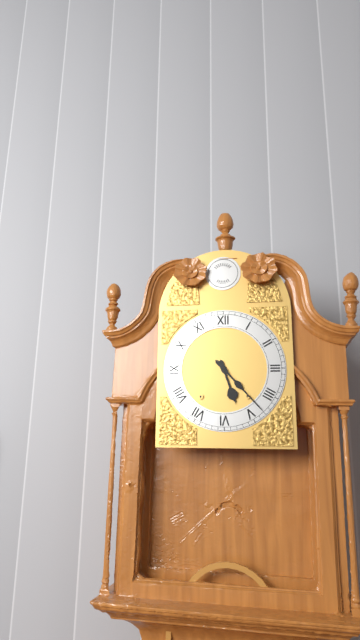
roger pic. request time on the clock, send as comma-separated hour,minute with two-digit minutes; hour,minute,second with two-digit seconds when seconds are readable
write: 5,23
